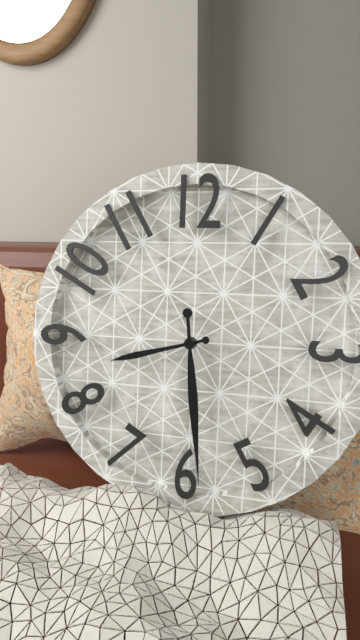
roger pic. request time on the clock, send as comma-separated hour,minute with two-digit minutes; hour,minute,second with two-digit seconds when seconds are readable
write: 8,29
